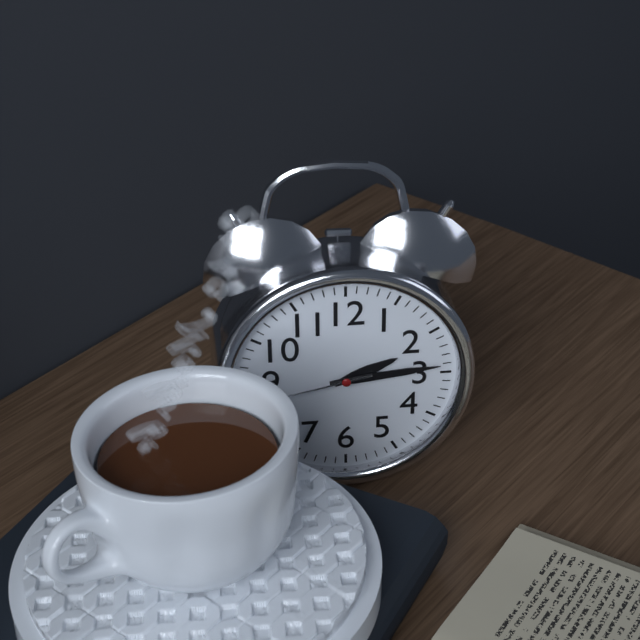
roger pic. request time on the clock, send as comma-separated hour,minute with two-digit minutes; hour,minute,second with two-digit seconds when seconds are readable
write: 2,14
